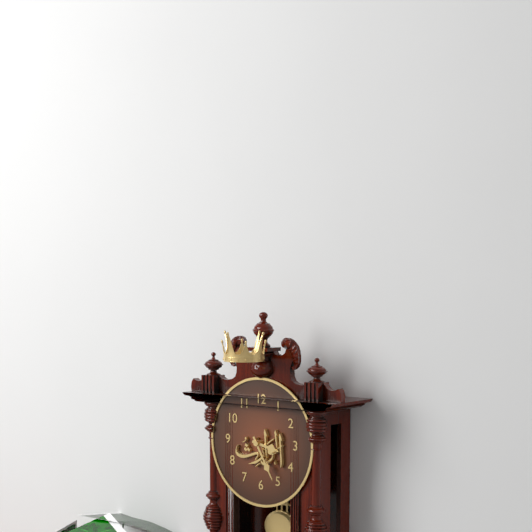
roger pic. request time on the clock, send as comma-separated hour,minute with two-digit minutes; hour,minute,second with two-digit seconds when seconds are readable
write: 3,25
